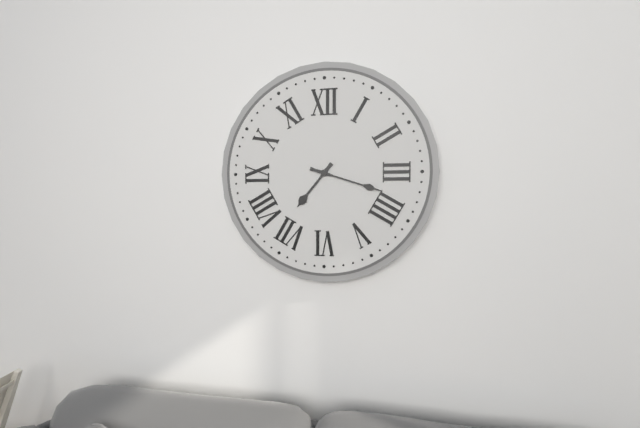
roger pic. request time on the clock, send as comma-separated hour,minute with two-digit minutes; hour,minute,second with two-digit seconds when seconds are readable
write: 7,18
